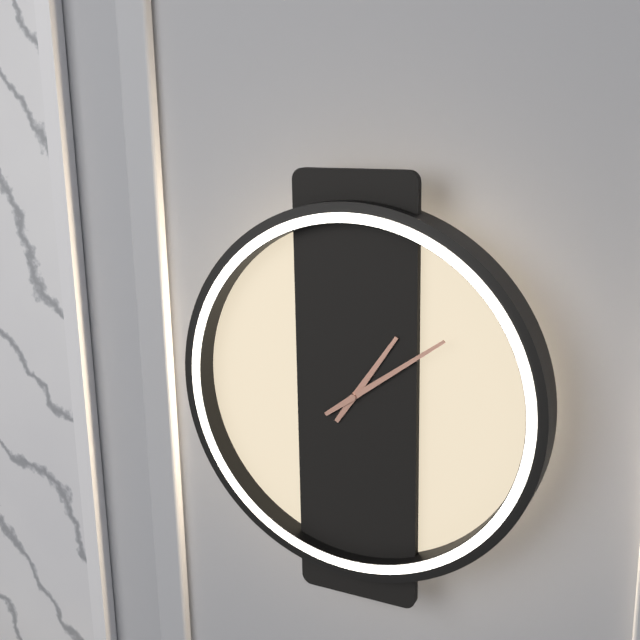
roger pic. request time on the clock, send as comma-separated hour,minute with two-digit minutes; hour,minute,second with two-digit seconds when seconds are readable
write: 1,09
